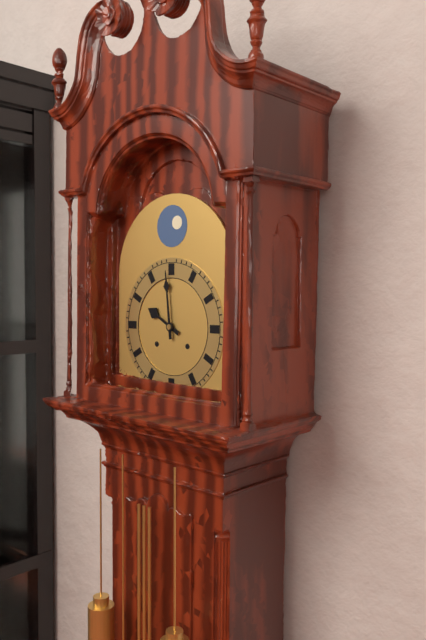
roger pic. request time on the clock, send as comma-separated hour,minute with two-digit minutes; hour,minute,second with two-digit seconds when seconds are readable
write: 9,59
